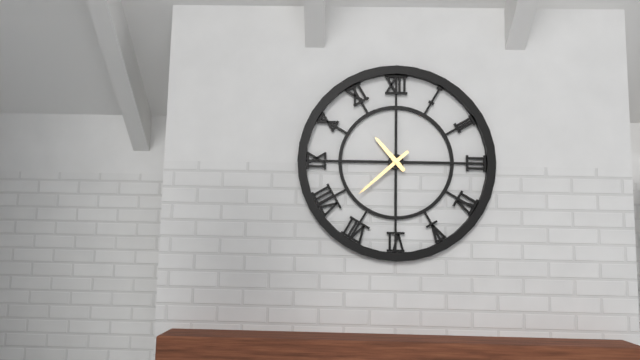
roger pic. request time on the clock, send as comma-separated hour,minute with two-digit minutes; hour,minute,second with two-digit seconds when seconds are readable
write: 10,38
